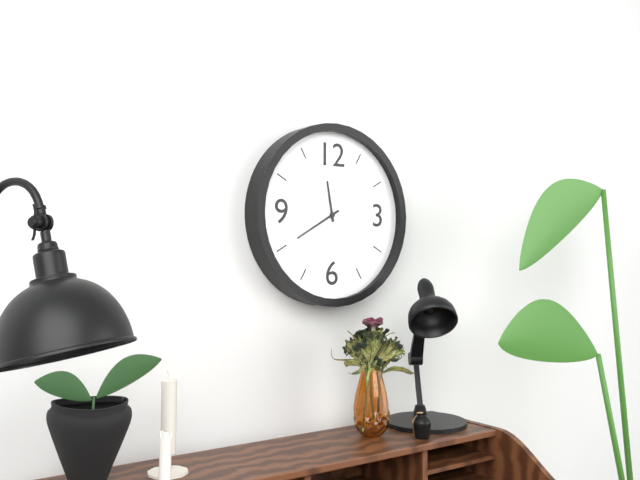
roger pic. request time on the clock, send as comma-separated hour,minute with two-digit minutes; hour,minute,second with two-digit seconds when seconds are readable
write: 11,40
